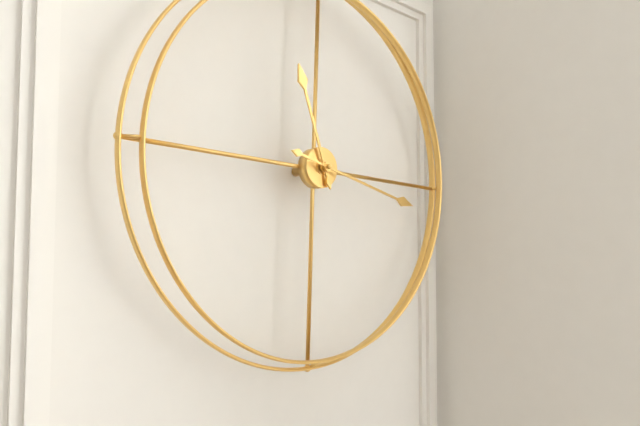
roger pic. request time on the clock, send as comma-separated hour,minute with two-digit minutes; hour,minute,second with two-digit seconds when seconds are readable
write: 11,17
